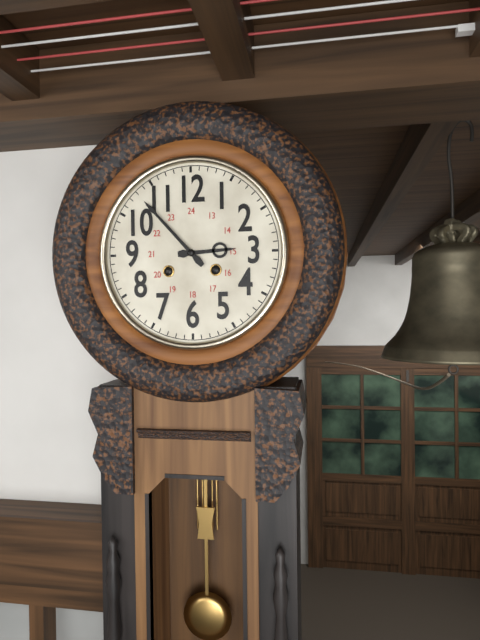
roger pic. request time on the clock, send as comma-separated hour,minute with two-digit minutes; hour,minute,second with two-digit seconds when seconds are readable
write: 2,53
